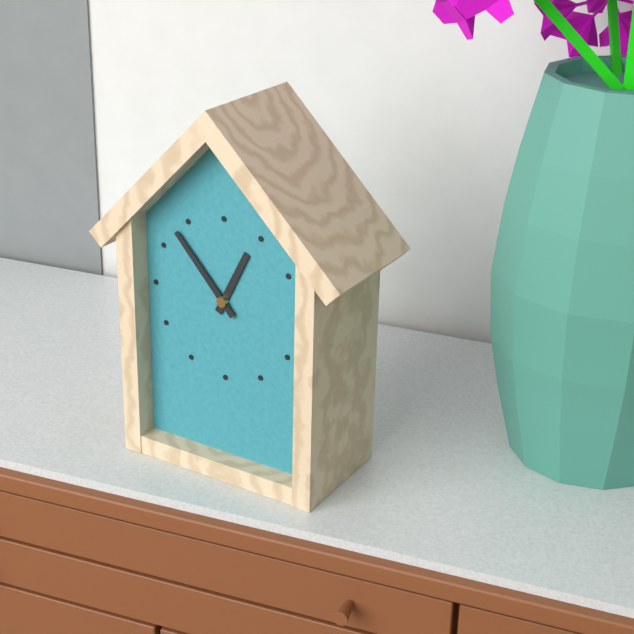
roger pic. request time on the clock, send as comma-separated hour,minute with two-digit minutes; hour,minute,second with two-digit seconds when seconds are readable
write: 12,53
